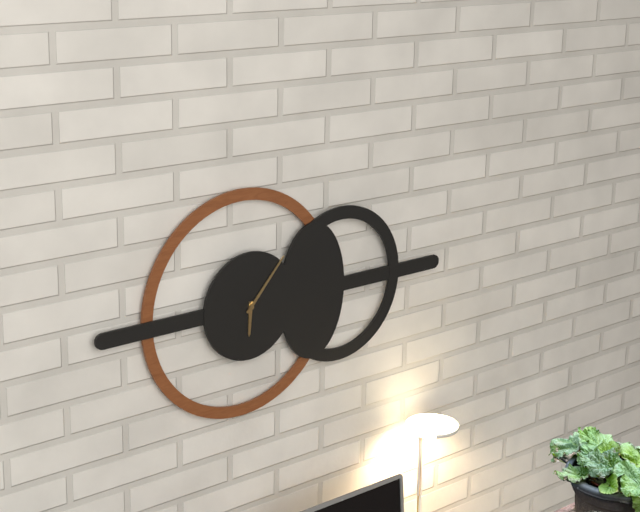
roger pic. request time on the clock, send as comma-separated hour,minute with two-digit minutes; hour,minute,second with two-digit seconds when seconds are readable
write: 6,07
